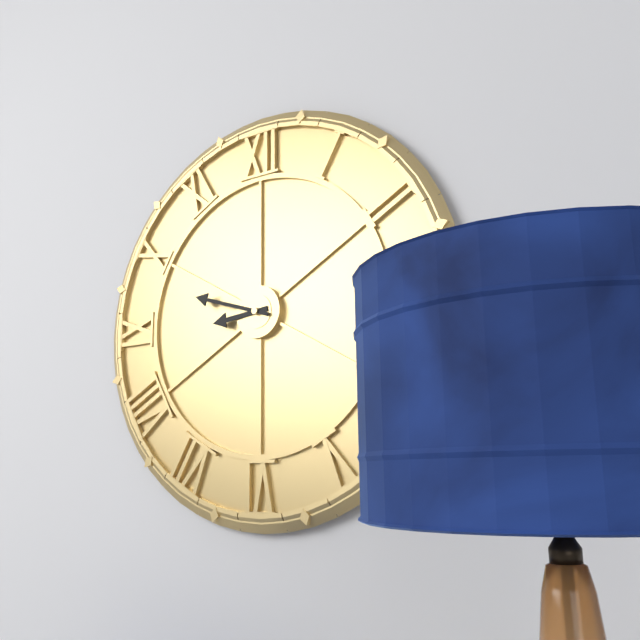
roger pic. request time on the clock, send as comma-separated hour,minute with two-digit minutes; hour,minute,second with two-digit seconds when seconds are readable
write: 8,48
